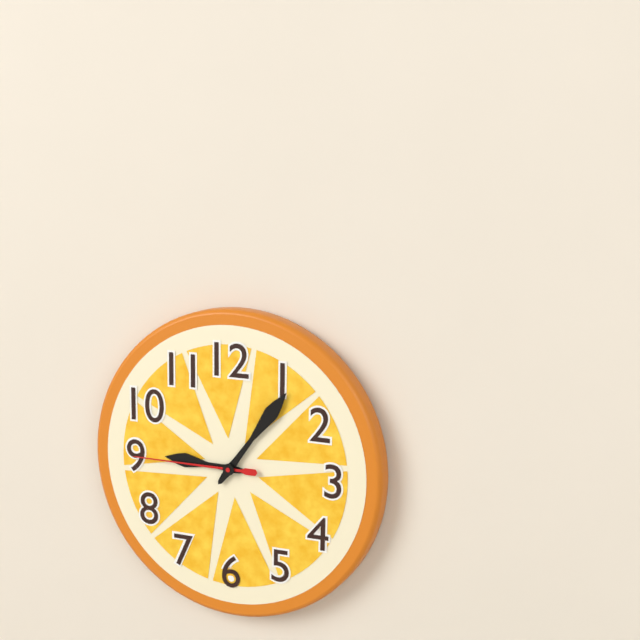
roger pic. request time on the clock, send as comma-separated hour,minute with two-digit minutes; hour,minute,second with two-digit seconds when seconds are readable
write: 9,06,45
